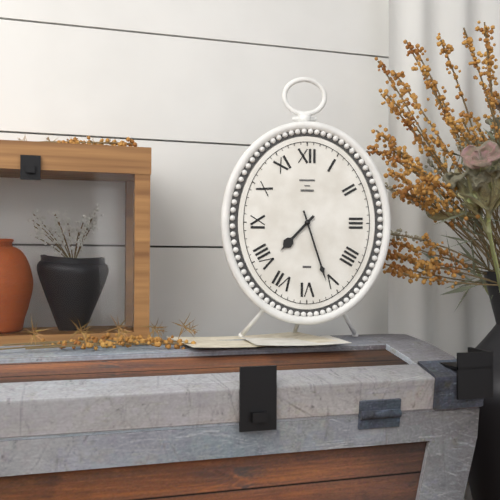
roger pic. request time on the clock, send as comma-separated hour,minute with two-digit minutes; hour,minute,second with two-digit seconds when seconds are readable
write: 7,27
